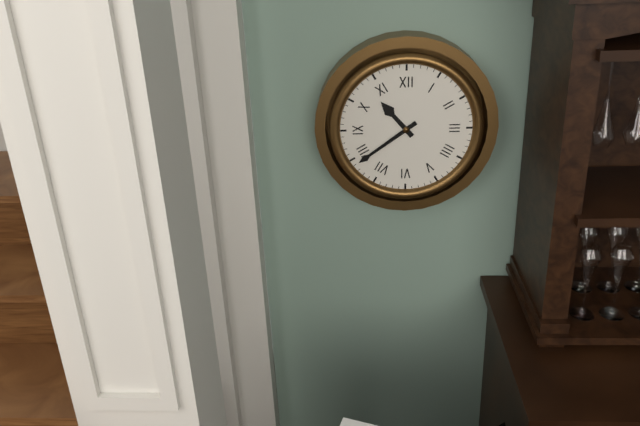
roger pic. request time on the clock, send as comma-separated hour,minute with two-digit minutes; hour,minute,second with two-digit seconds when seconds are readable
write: 10,39
